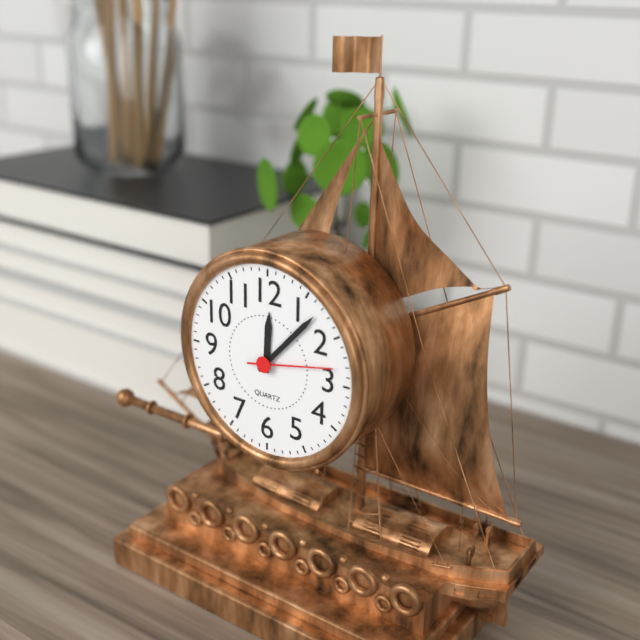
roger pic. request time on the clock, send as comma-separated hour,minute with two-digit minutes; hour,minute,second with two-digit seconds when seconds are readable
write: 12,07,13
